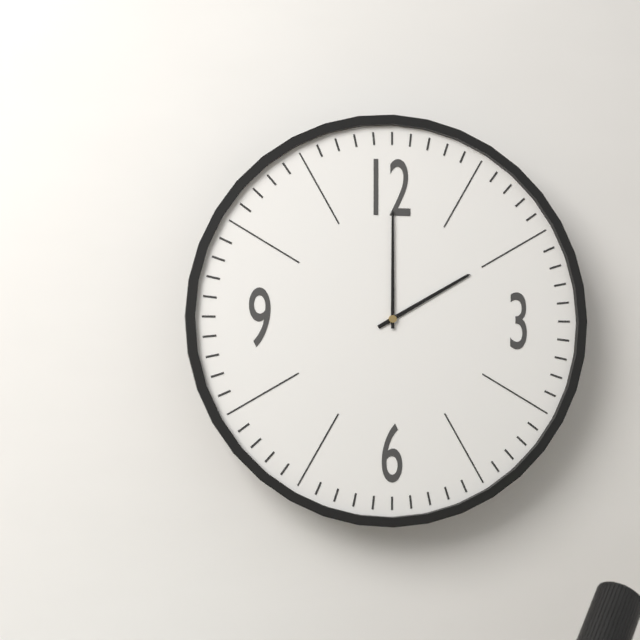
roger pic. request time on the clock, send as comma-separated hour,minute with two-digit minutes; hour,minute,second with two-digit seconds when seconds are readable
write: 2,00
